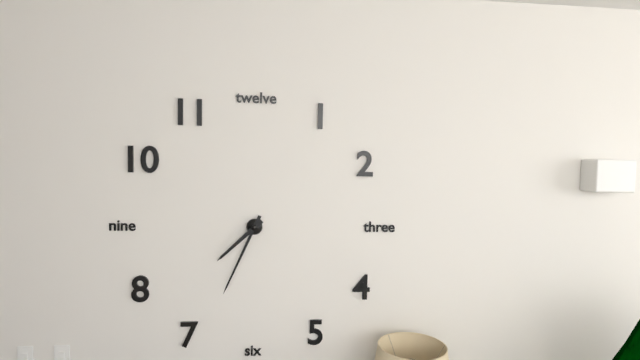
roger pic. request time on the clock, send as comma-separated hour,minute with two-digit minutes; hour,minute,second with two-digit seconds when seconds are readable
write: 7,34
